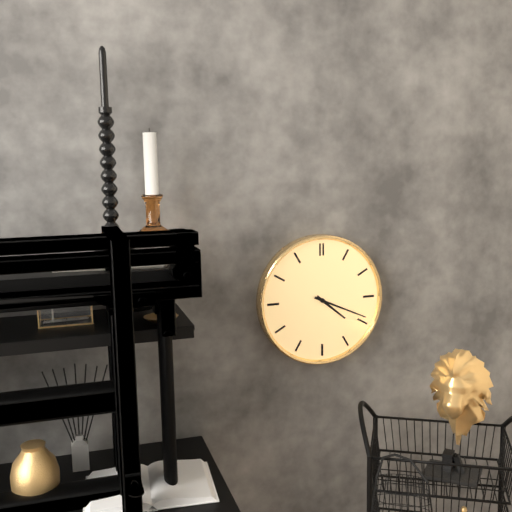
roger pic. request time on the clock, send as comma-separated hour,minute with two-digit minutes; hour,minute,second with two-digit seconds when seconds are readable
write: 4,19
